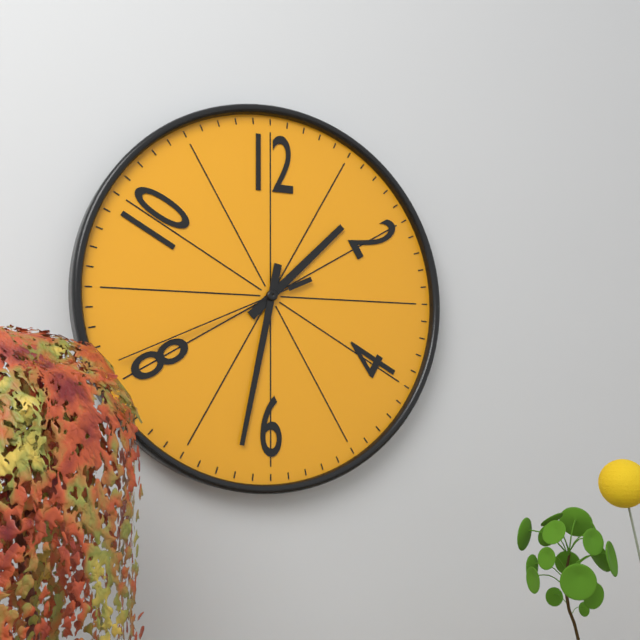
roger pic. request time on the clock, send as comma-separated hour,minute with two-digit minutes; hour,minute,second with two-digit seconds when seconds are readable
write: 1,32,41
